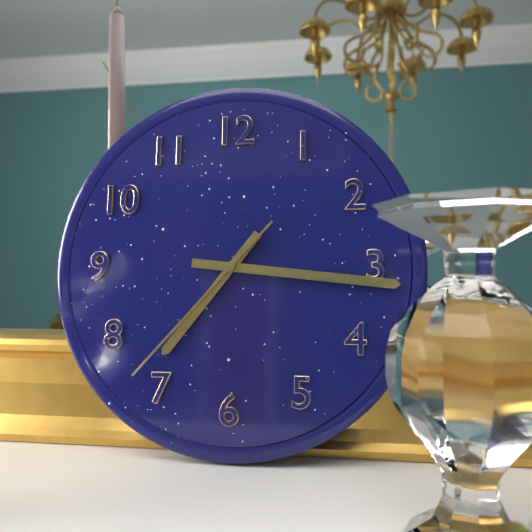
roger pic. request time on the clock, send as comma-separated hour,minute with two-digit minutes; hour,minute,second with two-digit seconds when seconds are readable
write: 7,16,37
